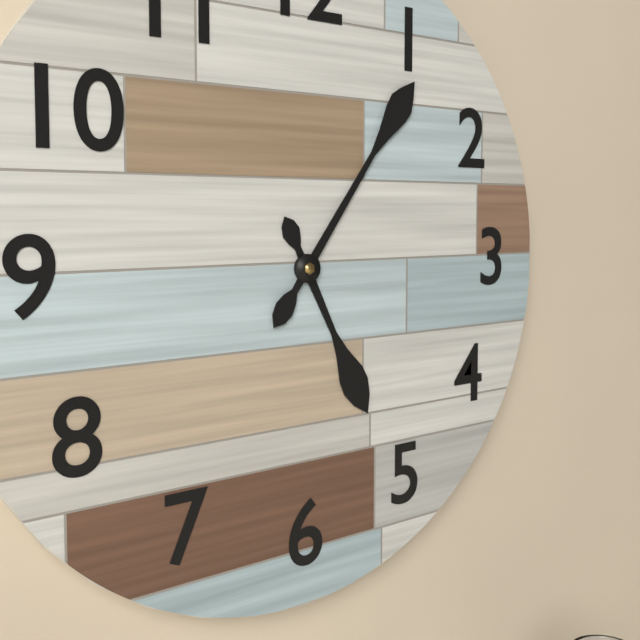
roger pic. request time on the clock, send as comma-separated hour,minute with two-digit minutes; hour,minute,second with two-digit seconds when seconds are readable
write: 5,06
